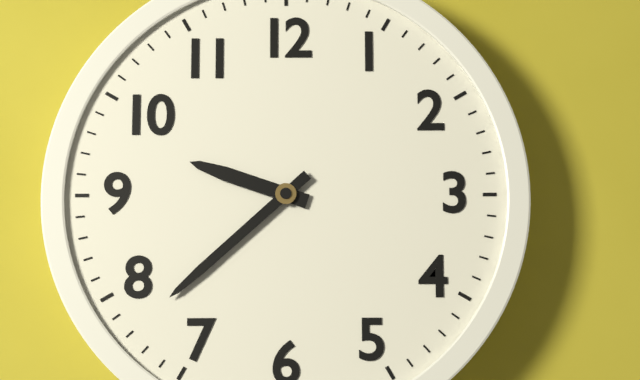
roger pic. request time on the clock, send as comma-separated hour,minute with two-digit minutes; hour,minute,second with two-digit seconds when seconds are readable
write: 9,38
